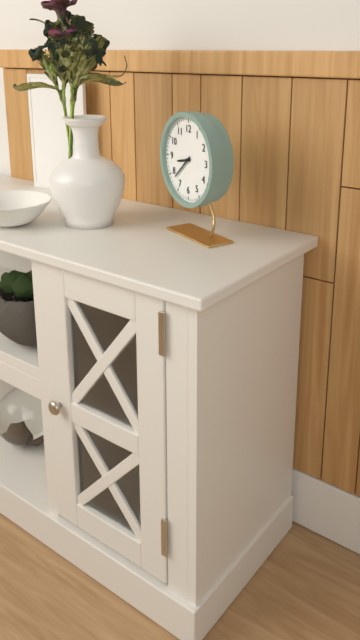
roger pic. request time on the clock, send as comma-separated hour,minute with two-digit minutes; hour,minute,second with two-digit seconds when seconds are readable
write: 8,38
